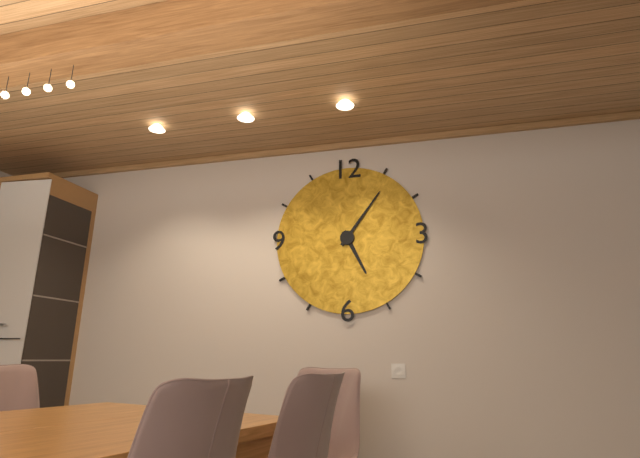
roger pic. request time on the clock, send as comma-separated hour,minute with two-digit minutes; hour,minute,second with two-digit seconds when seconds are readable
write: 5,06
